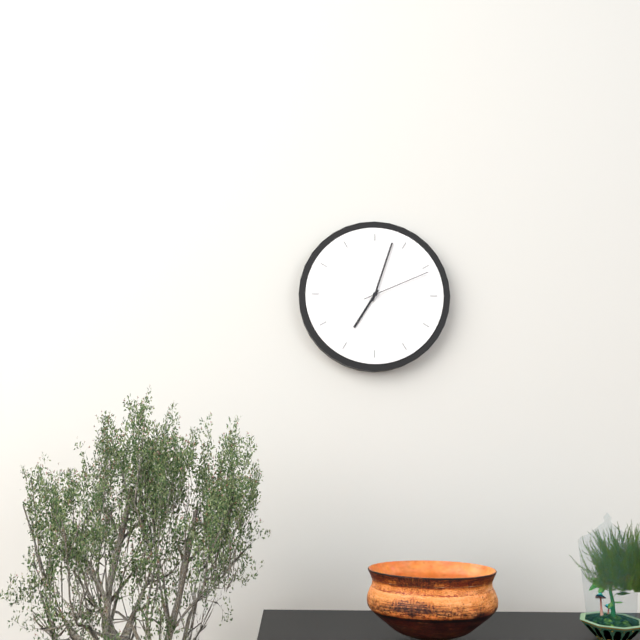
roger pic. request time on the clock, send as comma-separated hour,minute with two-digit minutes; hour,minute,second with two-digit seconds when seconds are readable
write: 7,03,11
